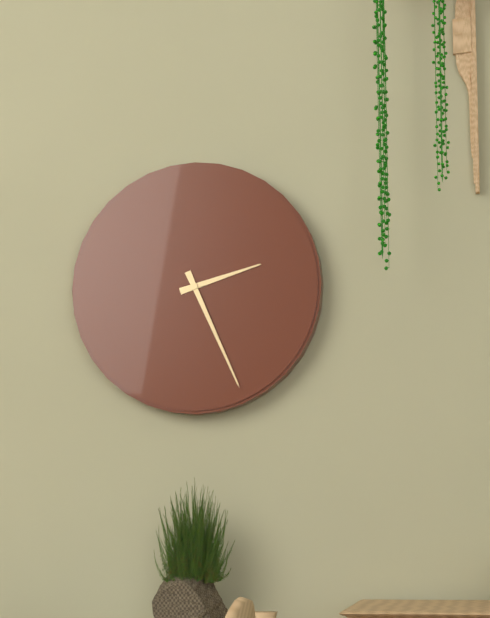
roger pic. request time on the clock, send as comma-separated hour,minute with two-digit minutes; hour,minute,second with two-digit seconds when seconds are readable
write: 2,26
